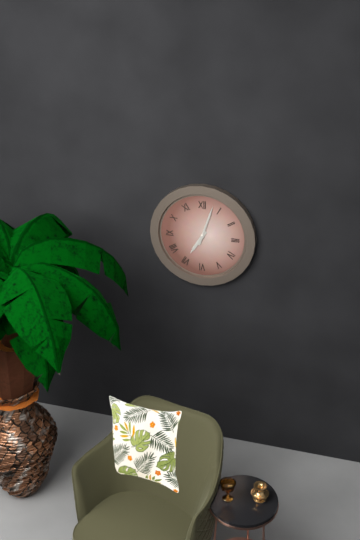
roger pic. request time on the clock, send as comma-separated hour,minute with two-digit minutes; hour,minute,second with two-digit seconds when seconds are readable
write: 7,03
